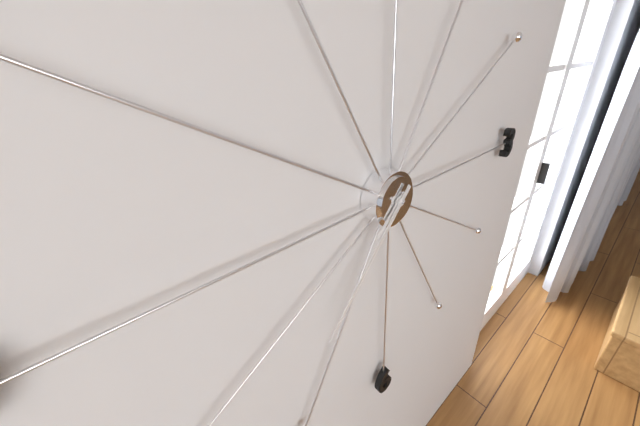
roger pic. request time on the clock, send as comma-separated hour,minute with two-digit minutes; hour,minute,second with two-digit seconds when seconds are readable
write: 7,37
